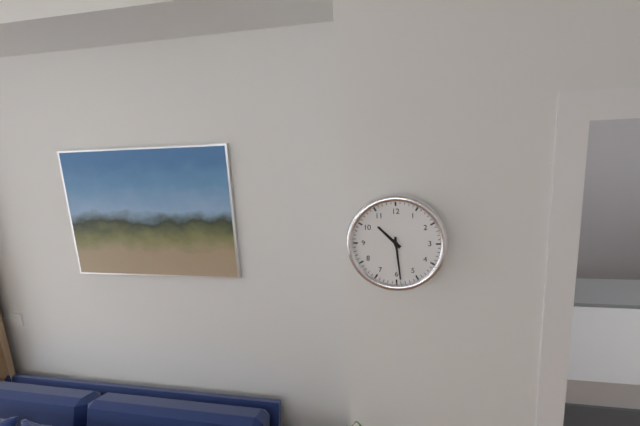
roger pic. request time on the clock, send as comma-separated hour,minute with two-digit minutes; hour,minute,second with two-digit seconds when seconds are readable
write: 10,29
